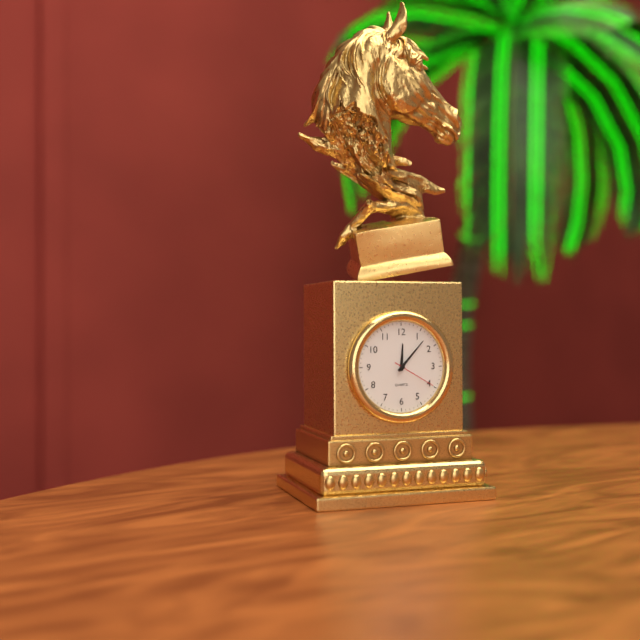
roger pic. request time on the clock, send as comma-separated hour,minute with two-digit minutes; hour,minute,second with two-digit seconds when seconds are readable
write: 12,07
